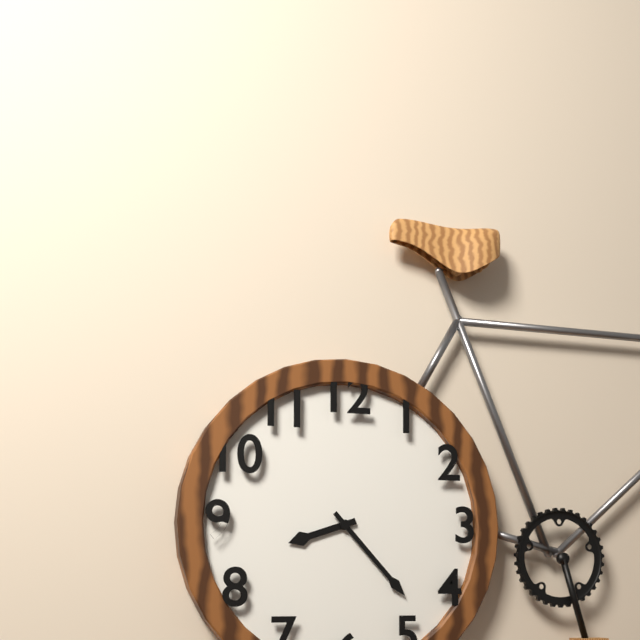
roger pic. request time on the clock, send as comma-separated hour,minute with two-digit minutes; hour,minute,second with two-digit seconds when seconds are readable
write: 8,23
